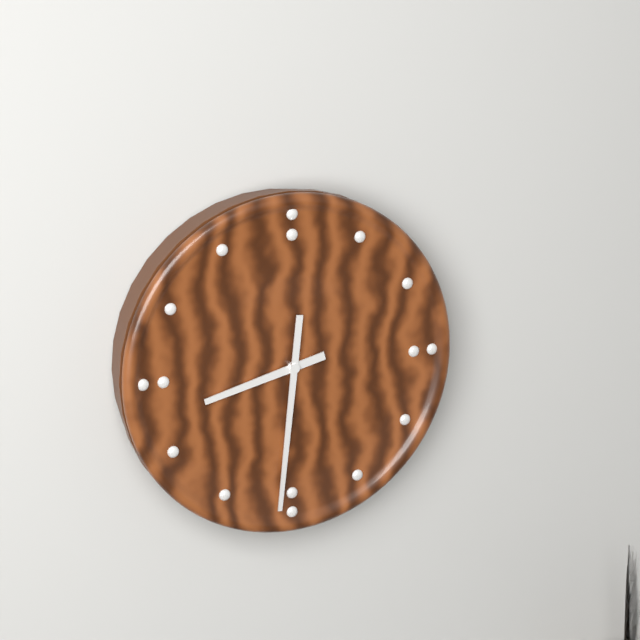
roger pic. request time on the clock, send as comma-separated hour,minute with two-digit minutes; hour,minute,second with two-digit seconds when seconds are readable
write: 8,31
